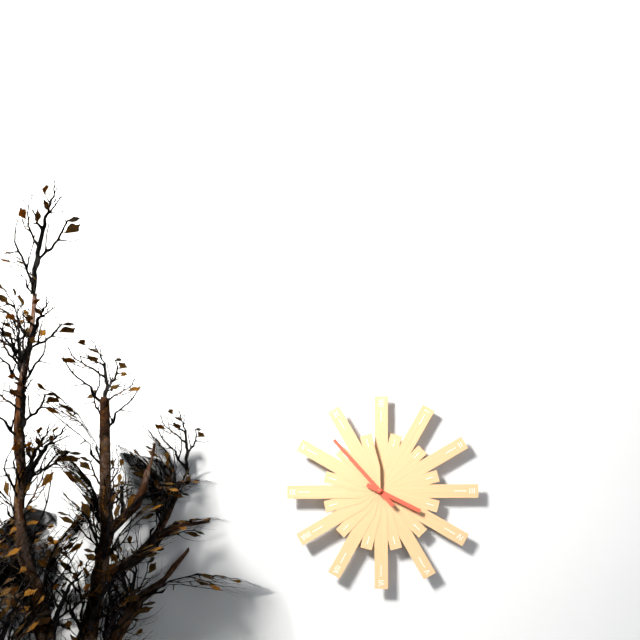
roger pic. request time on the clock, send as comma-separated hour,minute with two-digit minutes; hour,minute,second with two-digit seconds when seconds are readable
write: 3,53
